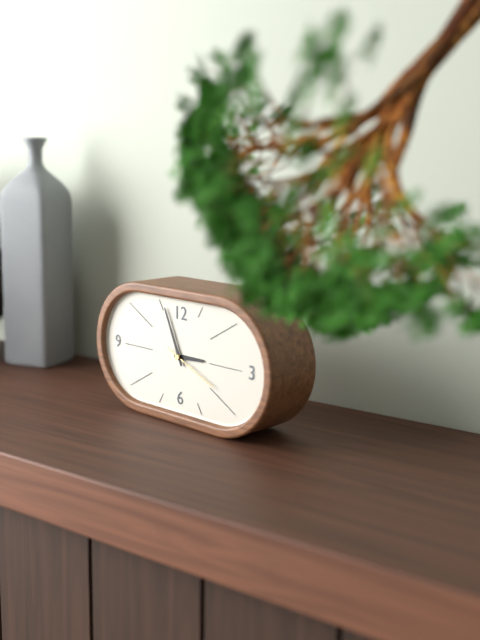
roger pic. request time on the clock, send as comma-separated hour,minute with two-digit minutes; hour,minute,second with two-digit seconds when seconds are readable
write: 2,56,19
